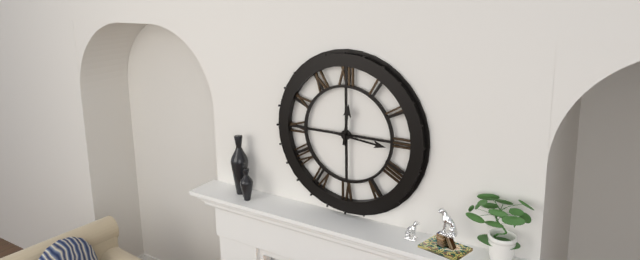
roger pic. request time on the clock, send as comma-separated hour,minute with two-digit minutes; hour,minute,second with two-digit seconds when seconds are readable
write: 12,16
